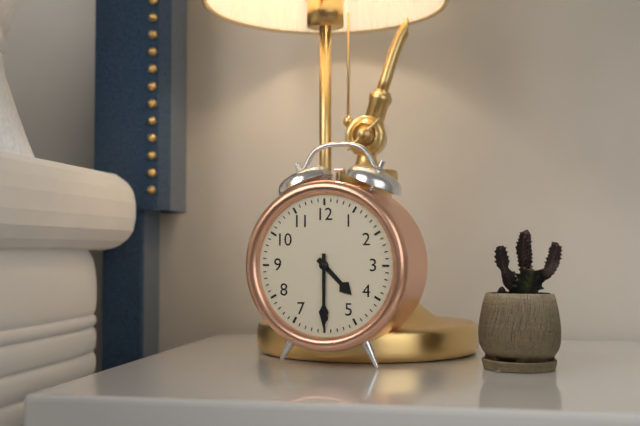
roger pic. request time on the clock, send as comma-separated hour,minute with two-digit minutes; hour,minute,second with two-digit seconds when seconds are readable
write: 4,30
